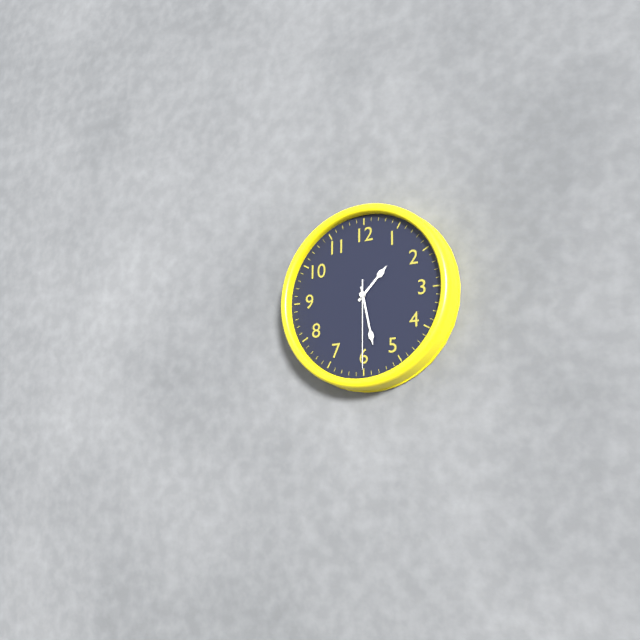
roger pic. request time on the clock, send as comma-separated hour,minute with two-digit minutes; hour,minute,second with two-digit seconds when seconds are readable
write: 1,28,30
